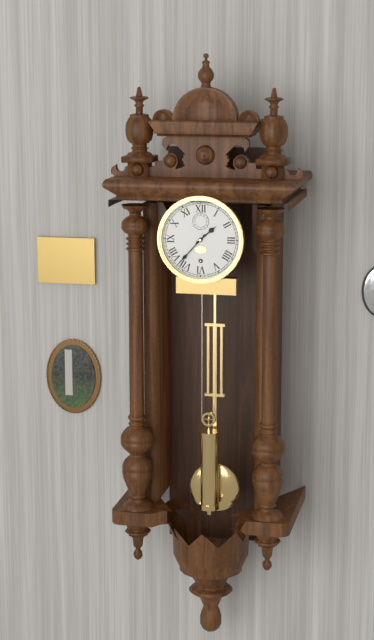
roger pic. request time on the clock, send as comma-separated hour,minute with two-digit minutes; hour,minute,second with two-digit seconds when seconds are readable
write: 1,37
